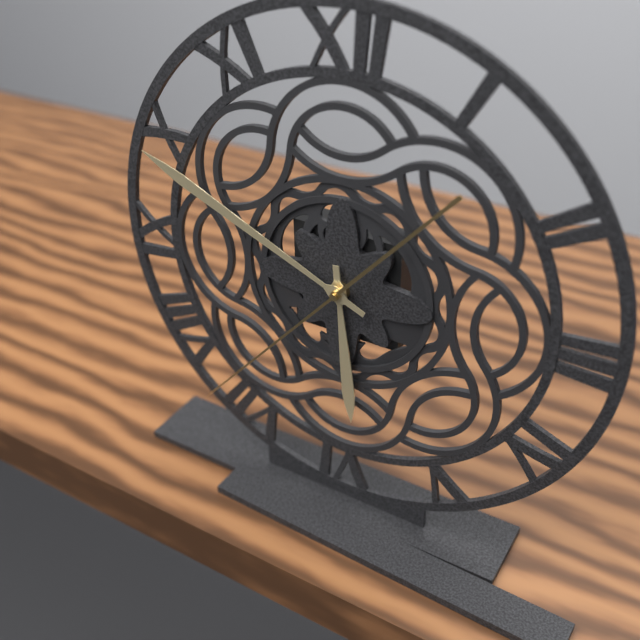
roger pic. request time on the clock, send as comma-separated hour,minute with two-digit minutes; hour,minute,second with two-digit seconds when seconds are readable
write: 5,49,37
